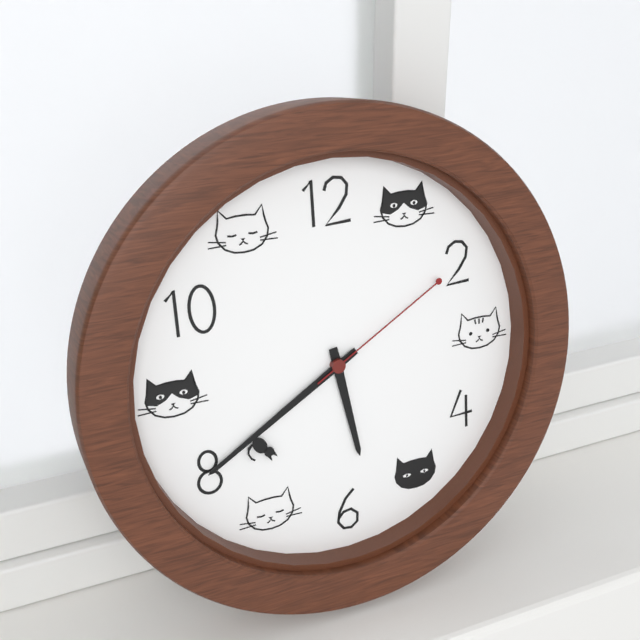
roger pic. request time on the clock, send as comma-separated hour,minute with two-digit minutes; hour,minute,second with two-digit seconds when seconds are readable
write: 5,40,10
